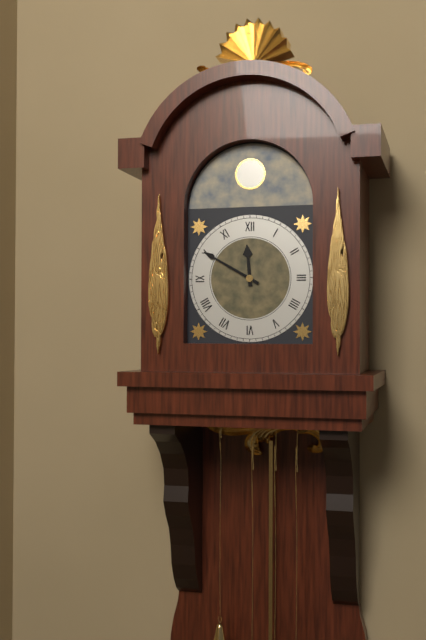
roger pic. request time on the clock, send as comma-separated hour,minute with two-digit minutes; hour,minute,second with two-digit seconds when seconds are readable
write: 11,50
